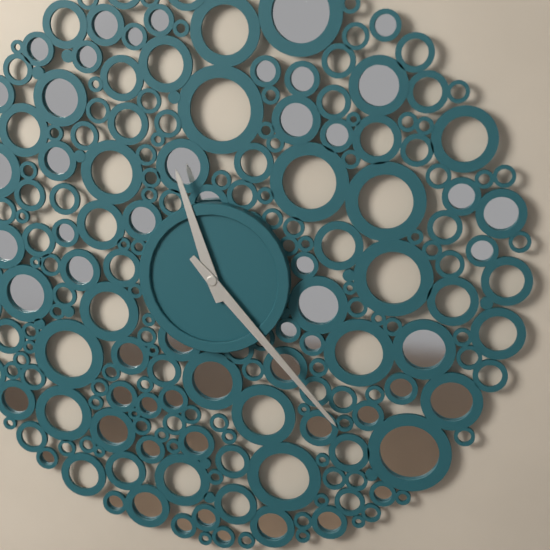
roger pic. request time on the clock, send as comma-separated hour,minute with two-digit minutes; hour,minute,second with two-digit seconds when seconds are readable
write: 11,23
